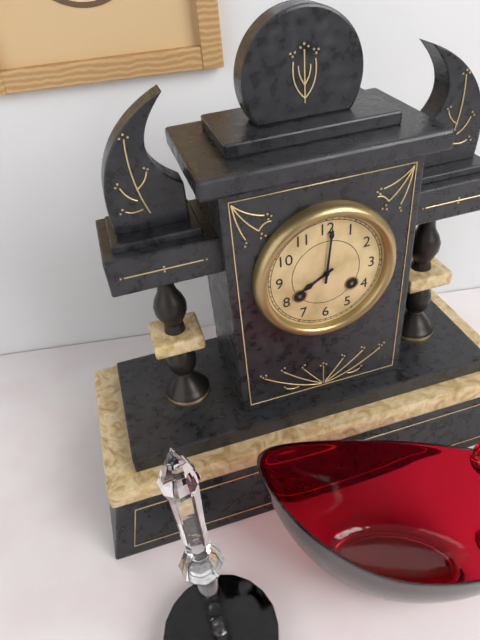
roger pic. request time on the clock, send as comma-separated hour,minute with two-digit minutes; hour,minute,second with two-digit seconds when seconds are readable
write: 8,01
